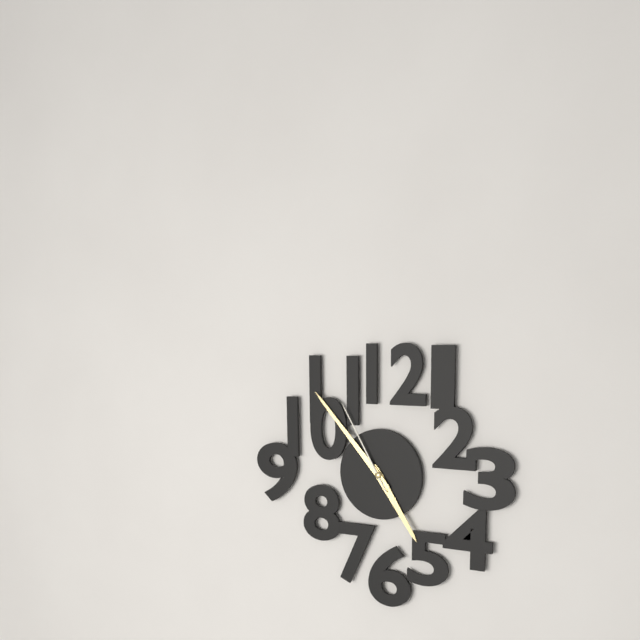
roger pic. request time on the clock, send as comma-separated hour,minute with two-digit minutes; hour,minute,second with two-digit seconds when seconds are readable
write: 4,53,55
